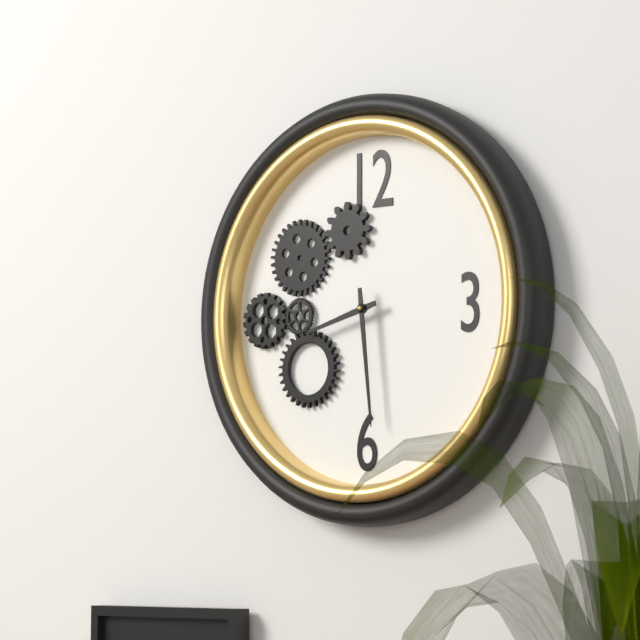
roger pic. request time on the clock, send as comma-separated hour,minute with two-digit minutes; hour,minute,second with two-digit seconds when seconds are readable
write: 8,29
